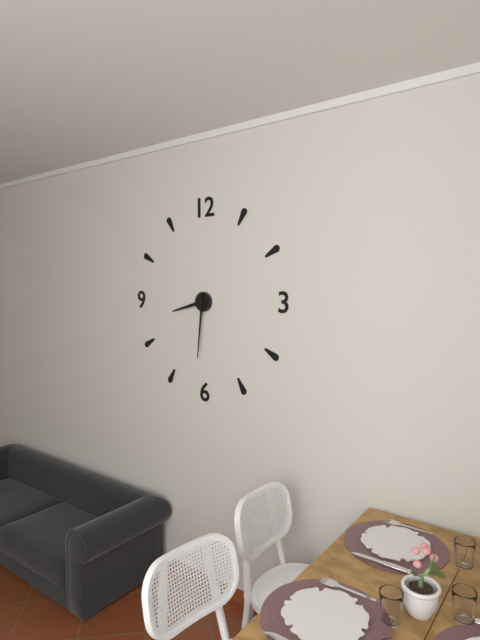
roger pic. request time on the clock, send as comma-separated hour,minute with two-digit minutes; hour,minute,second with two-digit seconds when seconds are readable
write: 8,31
